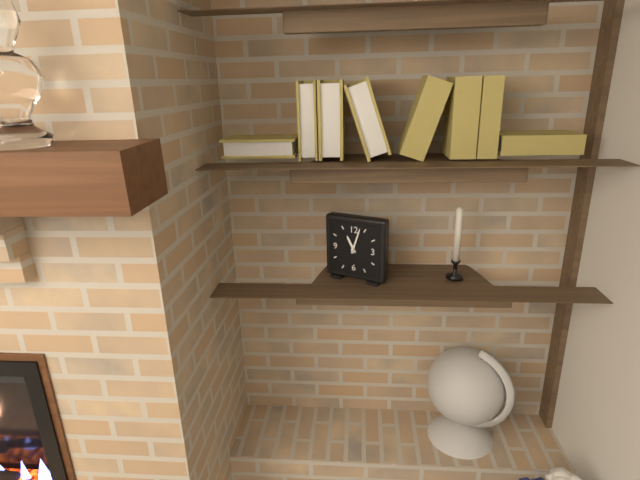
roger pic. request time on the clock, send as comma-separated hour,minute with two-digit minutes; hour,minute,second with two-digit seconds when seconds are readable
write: 11,03
